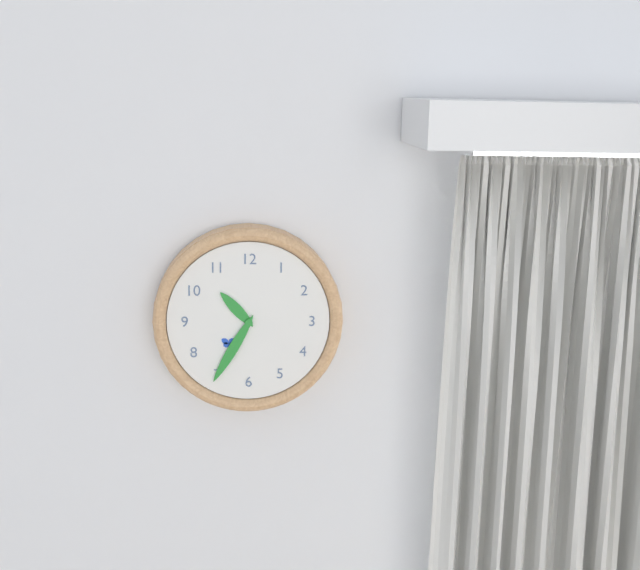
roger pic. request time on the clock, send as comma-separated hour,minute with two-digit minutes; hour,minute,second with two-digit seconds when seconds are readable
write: 10,35
